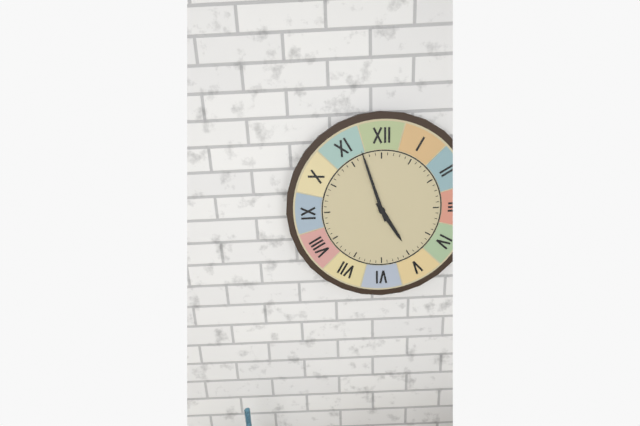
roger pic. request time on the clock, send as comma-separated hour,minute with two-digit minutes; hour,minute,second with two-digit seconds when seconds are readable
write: 4,57
